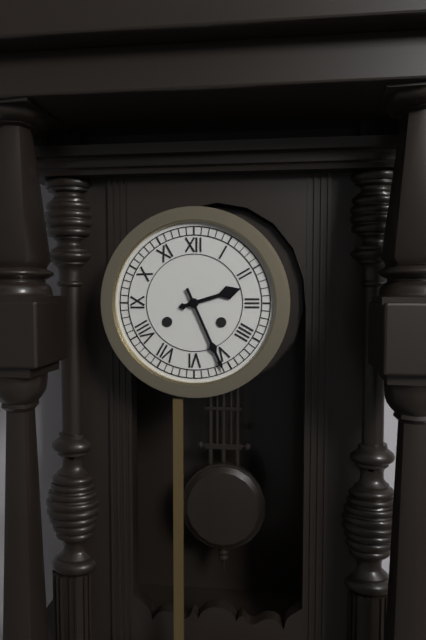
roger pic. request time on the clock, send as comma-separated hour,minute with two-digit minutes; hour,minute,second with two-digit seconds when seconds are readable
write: 2,26
